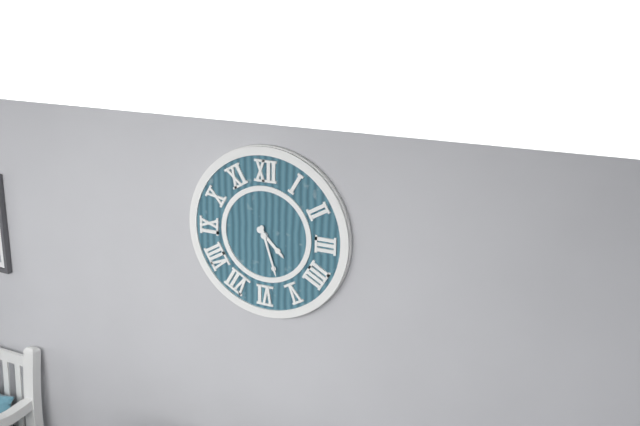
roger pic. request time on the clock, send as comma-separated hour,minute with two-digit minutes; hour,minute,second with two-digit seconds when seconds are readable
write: 4,27
